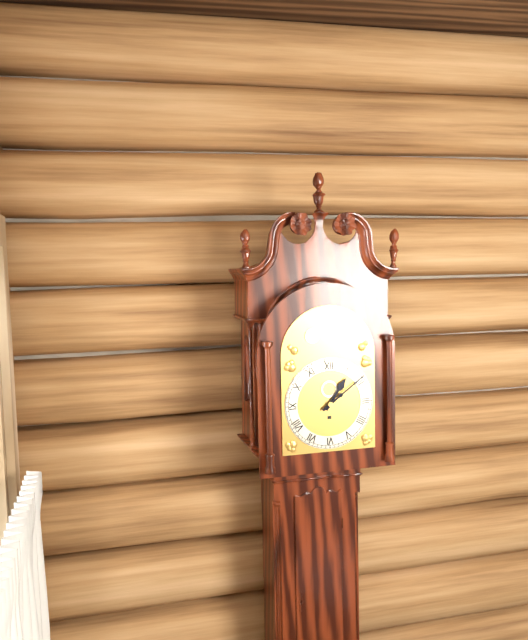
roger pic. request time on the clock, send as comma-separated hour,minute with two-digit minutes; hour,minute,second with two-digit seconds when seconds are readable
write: 1,09
